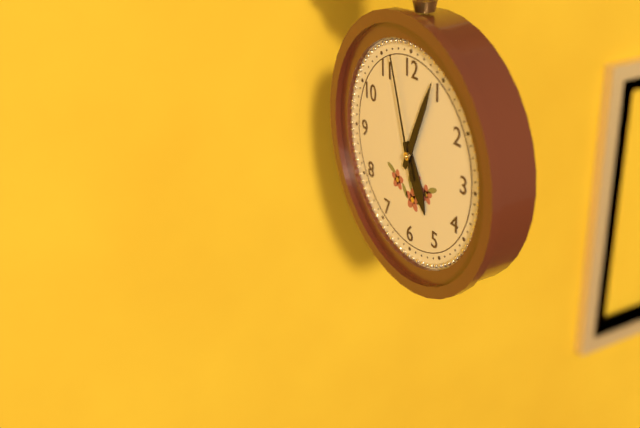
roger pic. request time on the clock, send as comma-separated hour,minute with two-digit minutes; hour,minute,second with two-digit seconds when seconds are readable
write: 5,04,57
